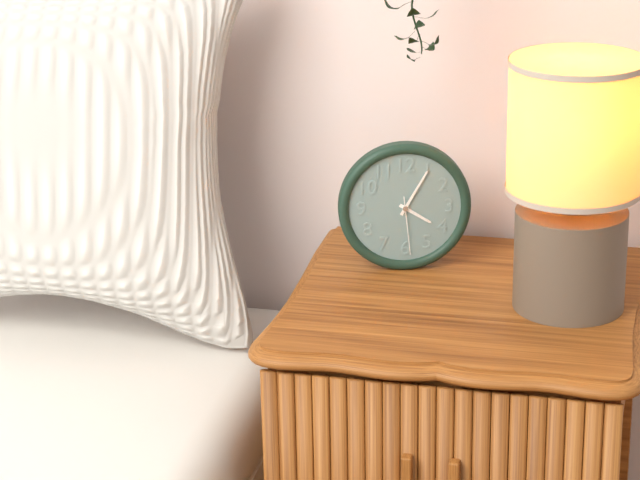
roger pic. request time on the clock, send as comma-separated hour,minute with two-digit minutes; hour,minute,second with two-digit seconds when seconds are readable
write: 4,05,29
